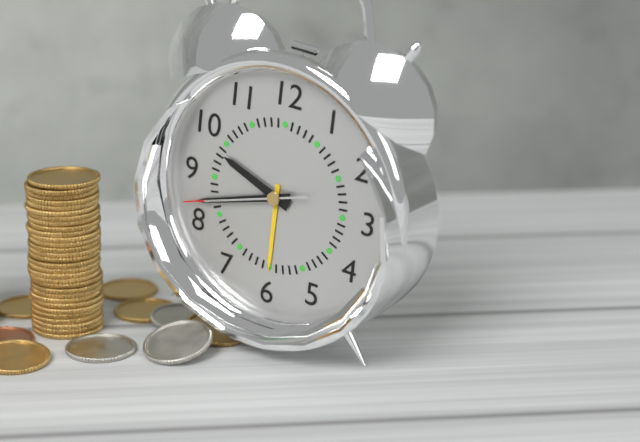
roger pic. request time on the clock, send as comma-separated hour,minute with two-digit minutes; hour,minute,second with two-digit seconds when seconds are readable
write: 9,42,42
